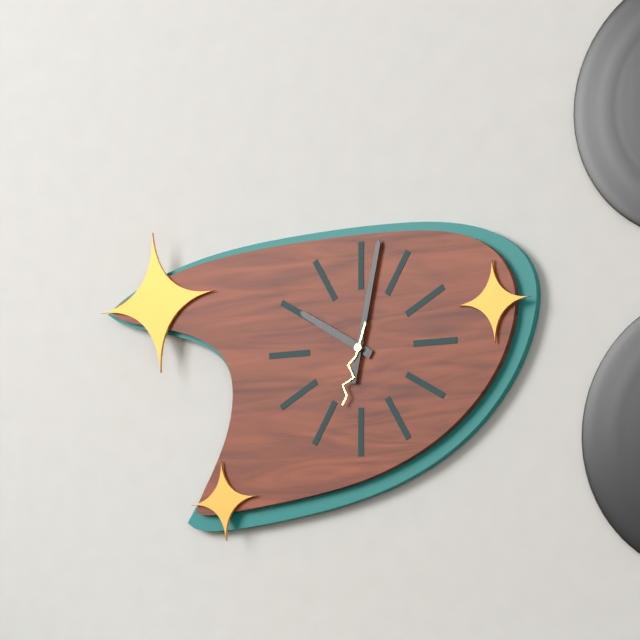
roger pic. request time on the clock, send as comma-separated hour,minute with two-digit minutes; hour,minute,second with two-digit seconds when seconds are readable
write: 10,02,33
